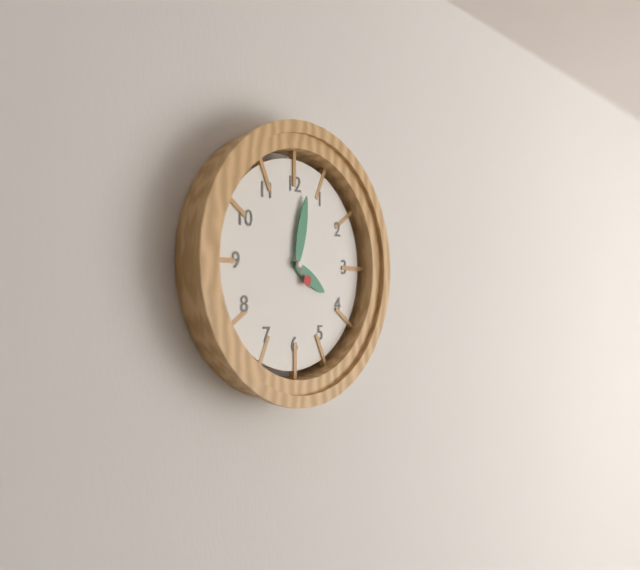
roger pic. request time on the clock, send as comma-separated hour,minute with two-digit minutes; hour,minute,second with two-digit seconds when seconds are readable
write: 4,02
